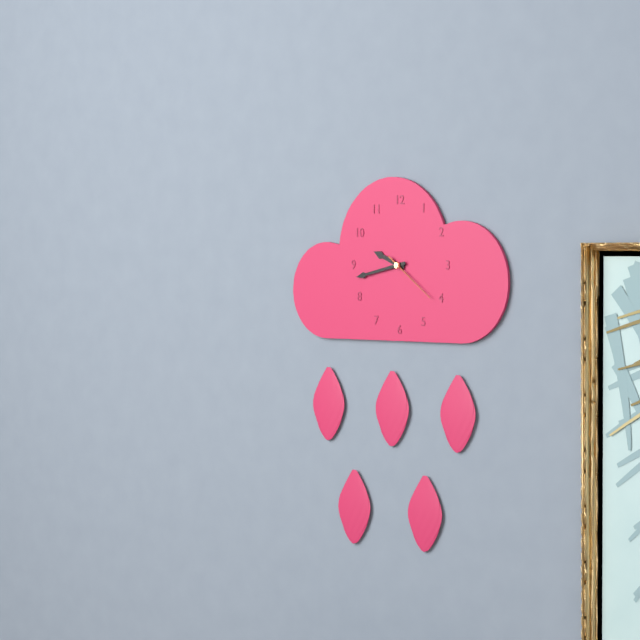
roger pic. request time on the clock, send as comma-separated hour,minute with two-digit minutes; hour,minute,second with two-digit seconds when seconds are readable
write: 9,43,21
